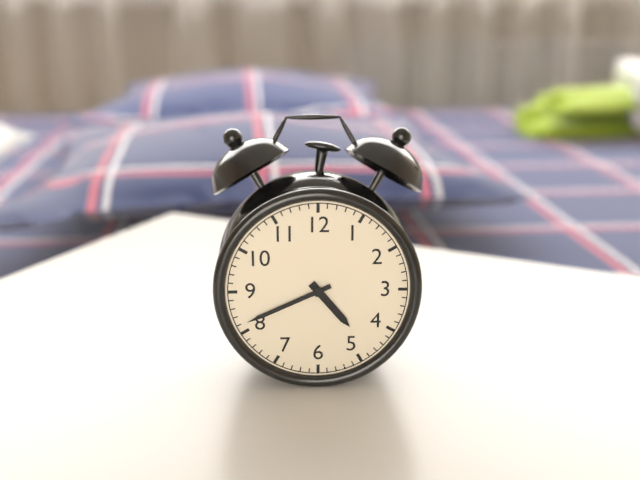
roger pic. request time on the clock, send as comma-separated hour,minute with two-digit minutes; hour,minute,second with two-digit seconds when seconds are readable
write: 4,41
